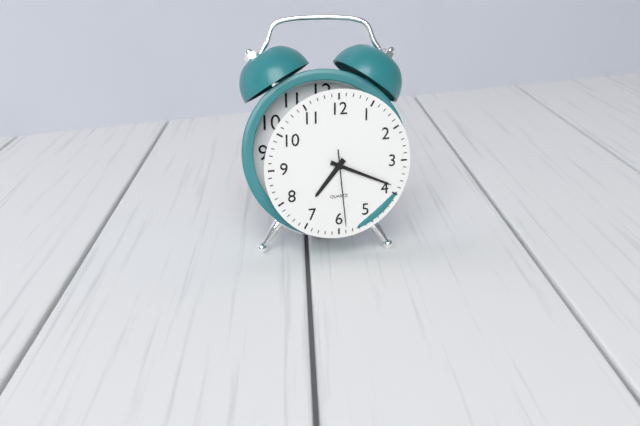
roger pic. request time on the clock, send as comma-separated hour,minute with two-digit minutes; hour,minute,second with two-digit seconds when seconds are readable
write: 7,19,29
